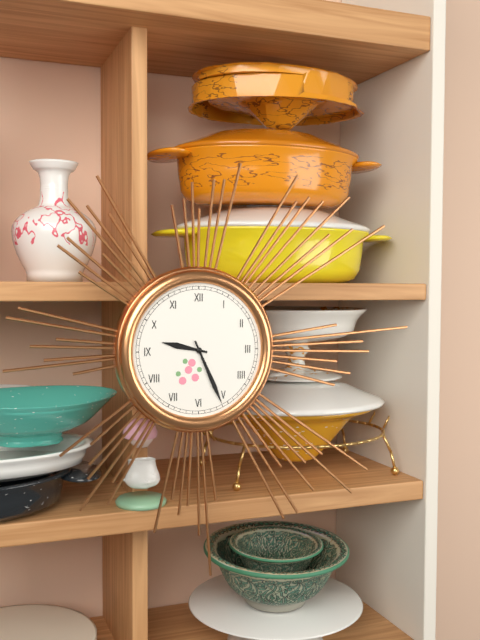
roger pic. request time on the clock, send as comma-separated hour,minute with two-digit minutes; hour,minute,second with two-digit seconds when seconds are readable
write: 9,26
